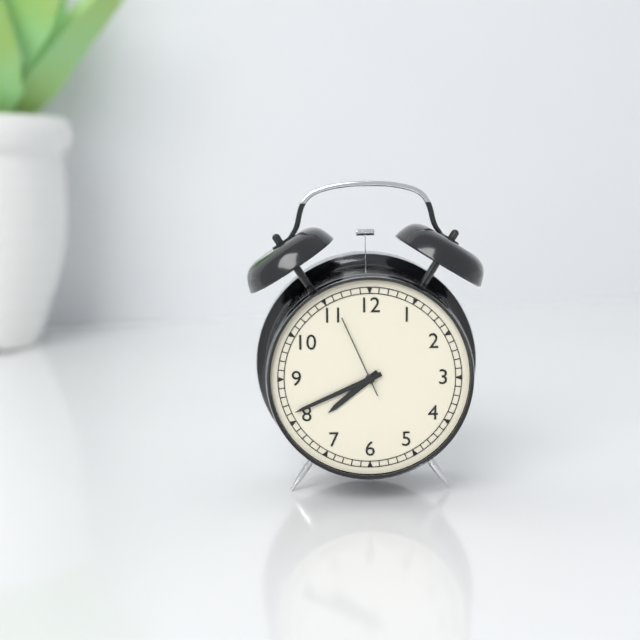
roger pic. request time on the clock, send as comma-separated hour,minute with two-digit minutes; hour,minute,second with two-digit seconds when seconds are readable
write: 7,41,56
